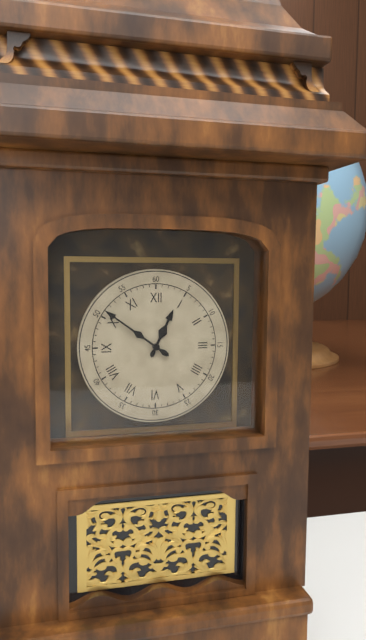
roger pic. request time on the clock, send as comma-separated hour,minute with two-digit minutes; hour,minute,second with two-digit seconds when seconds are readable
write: 12,51
